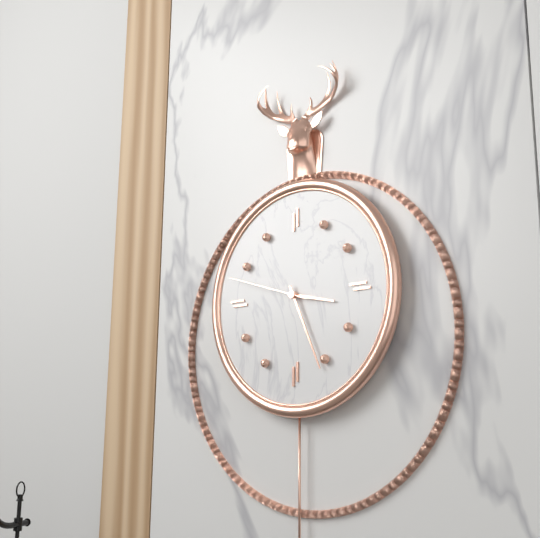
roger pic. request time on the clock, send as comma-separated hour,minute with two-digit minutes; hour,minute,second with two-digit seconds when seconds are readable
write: 3,26,48
